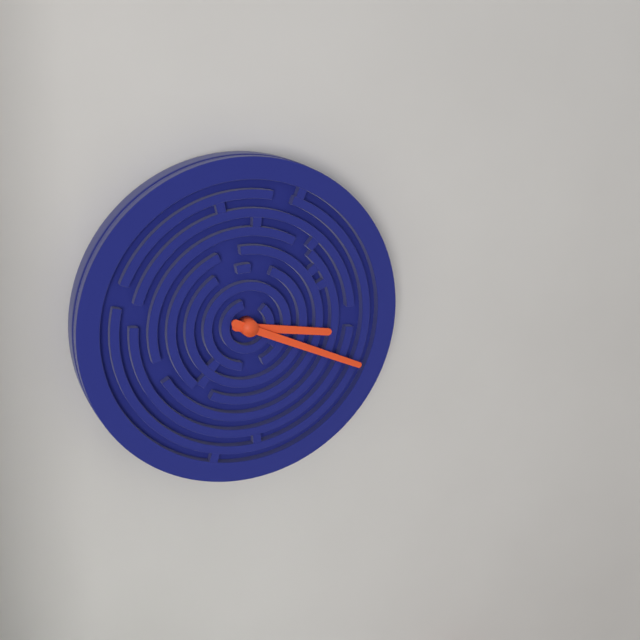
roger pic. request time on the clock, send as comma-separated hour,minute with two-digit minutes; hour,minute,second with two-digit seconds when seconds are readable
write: 3,19
